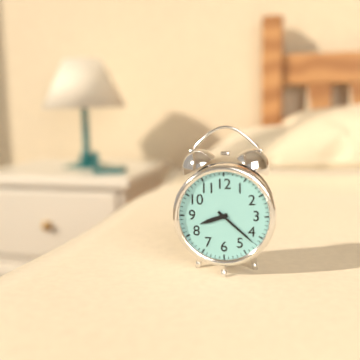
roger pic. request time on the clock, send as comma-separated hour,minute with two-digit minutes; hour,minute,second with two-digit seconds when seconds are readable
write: 8,22
